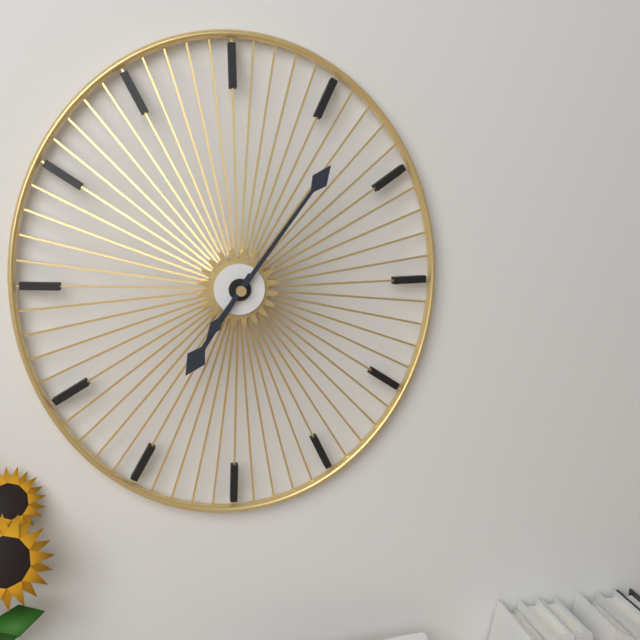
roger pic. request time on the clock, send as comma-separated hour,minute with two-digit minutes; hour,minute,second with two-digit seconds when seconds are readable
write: 7,06
